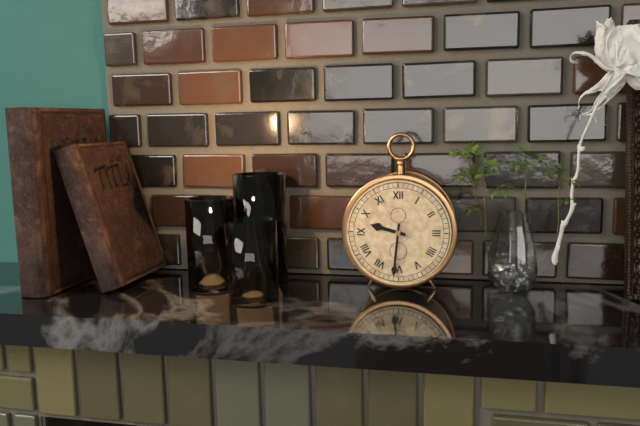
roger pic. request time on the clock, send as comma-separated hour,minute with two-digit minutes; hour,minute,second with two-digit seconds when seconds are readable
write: 9,31
